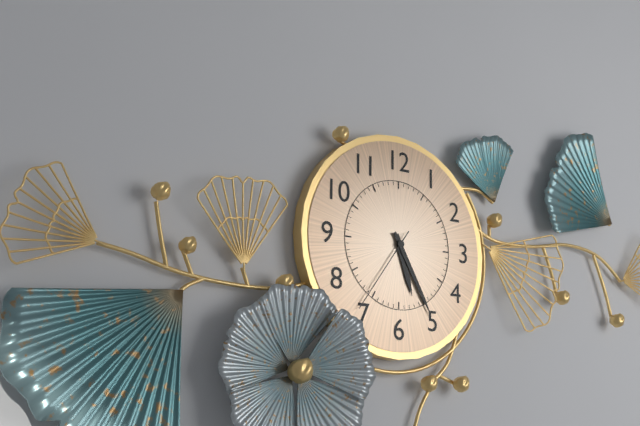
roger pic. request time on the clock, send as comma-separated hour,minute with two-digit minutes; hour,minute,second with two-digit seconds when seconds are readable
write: 5,25,36
